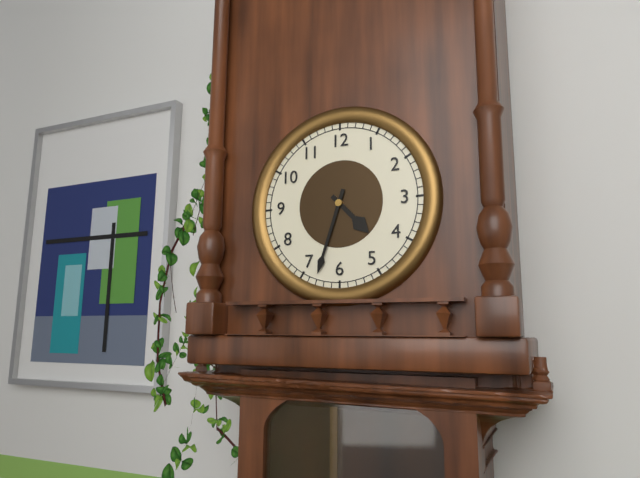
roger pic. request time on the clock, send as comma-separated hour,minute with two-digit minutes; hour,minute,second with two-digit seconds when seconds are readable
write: 4,33
